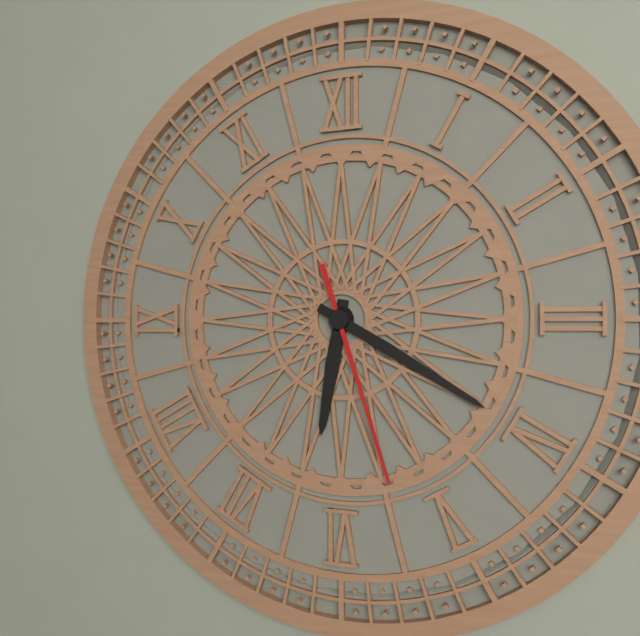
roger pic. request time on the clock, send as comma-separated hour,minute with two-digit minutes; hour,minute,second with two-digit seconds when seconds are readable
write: 6,20,27
